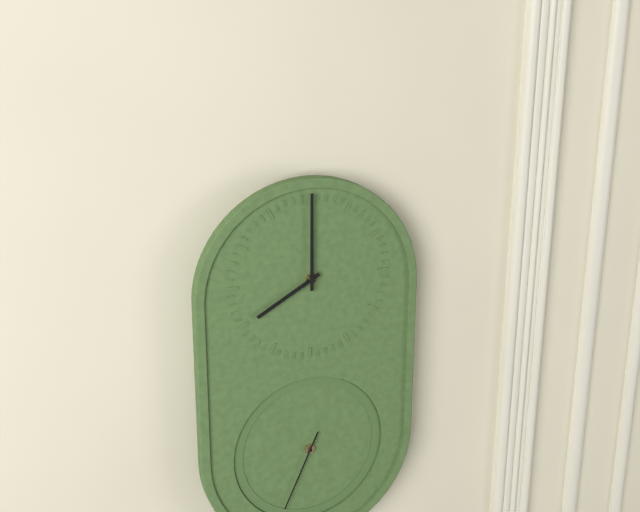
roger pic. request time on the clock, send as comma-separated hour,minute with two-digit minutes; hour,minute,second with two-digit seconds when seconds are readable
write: 8,00,34
